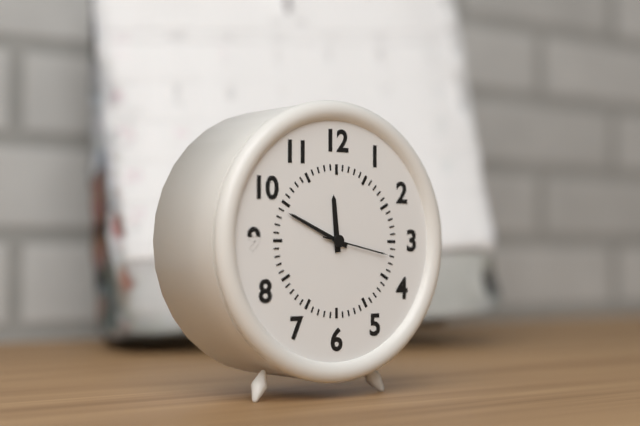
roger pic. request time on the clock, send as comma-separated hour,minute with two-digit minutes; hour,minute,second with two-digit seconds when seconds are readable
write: 11,49,17
